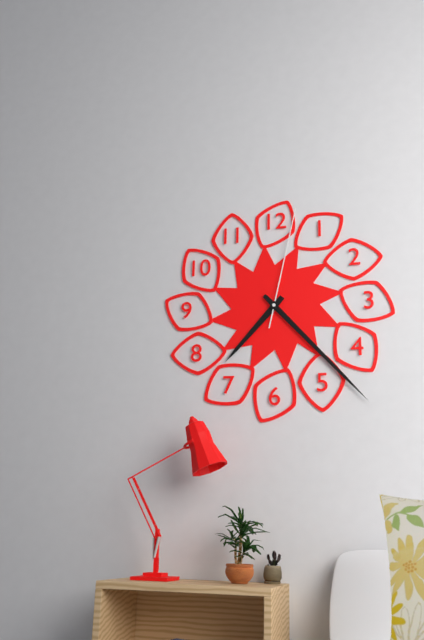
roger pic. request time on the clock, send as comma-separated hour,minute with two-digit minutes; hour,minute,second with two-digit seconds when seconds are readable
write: 7,23,02
